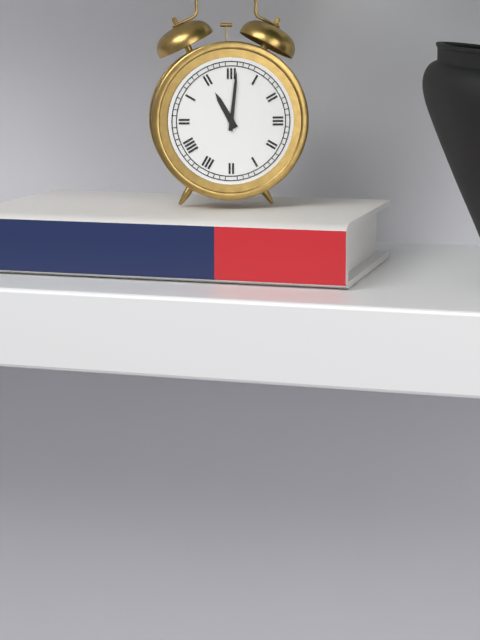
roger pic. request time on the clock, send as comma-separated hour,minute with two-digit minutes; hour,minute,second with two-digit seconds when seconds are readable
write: 11,01
